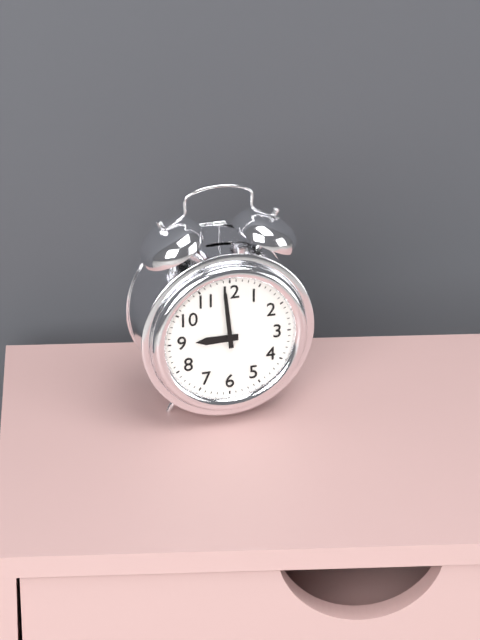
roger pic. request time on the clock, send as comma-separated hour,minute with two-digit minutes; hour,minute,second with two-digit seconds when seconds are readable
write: 8,59
